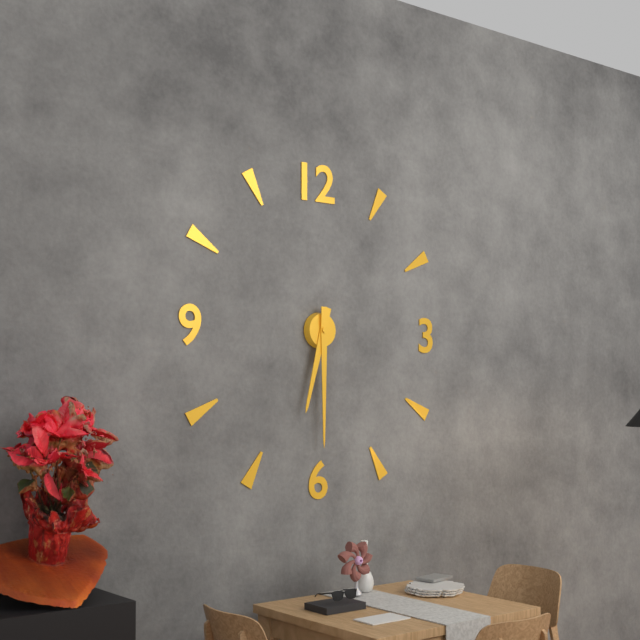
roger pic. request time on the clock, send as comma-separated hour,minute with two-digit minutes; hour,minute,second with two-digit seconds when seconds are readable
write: 6,30
